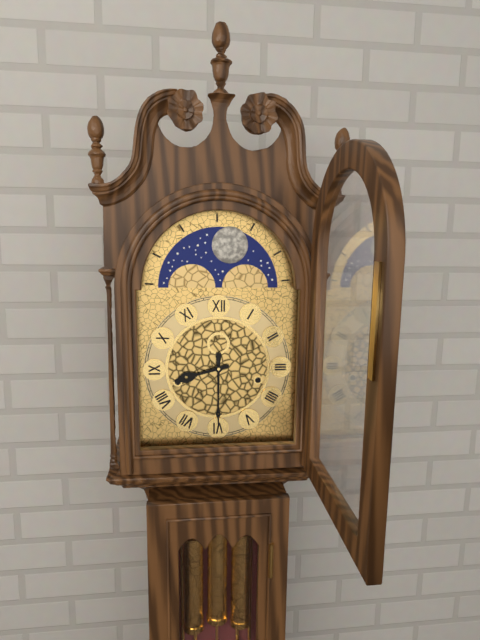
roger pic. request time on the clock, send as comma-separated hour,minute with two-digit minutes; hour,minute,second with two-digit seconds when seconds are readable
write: 8,30
